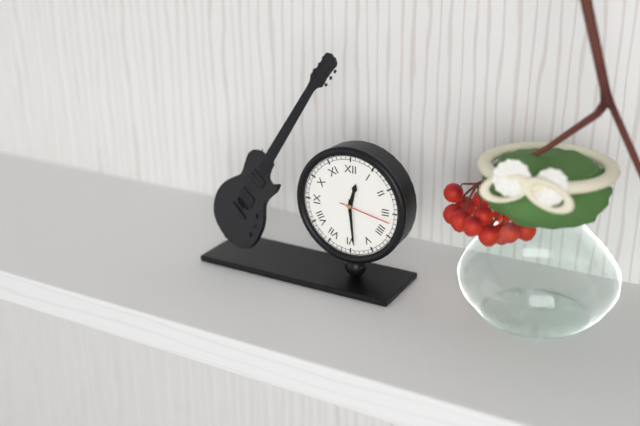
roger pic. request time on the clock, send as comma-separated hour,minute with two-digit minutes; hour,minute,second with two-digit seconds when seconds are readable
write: 12,29,17
